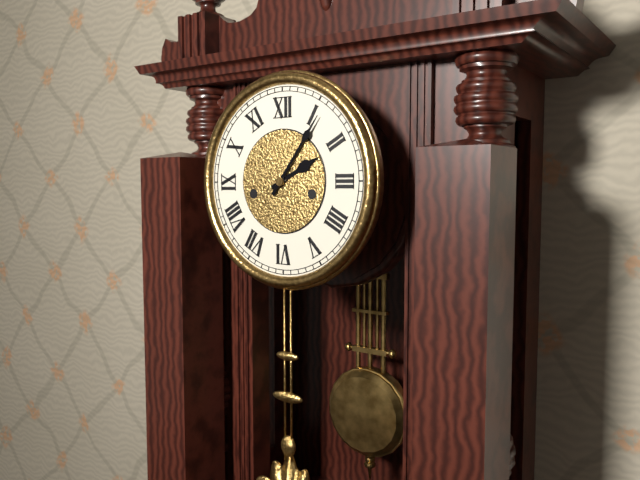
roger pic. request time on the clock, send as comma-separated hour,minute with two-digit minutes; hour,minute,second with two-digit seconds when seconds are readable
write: 2,06
